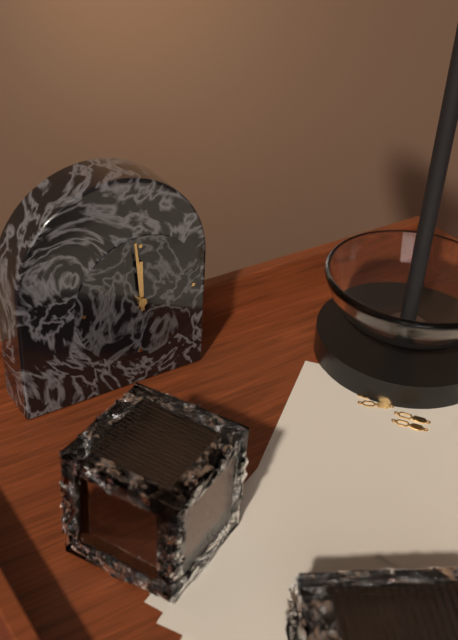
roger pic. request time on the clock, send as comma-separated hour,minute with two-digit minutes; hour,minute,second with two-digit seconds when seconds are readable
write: 11,59
